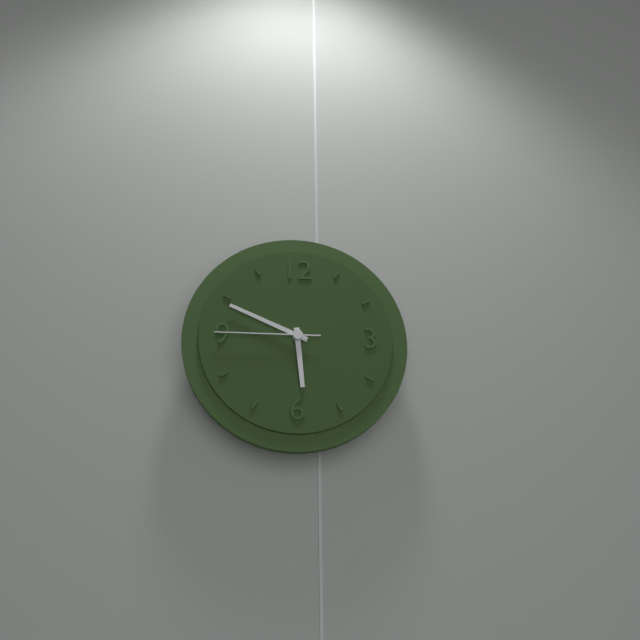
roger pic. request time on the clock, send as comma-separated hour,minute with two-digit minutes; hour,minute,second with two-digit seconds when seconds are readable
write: 5,49,45
